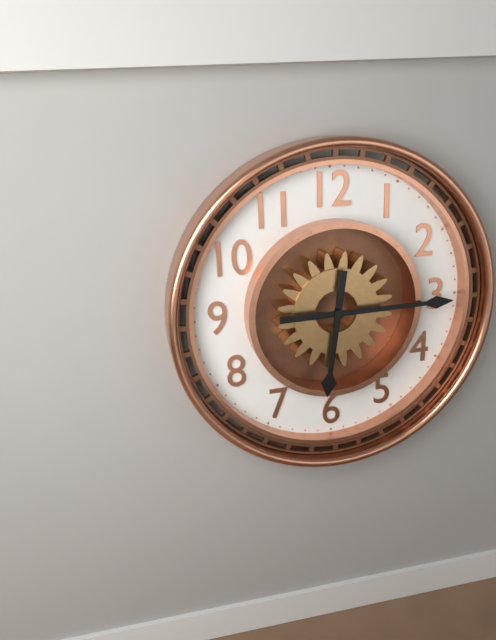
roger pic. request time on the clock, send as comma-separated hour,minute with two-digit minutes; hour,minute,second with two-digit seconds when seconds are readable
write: 6,15
